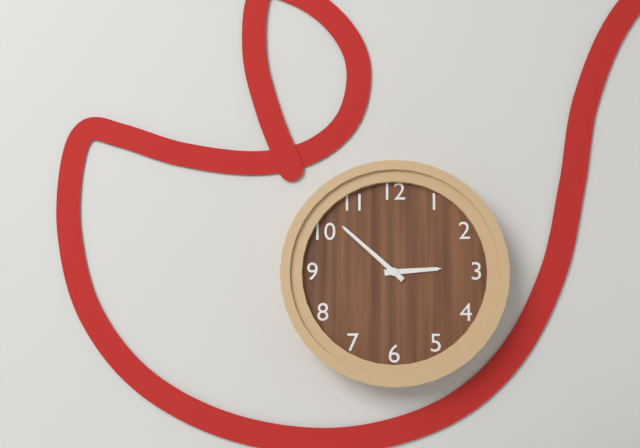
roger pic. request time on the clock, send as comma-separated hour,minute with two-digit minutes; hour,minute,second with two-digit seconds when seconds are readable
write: 2,52
